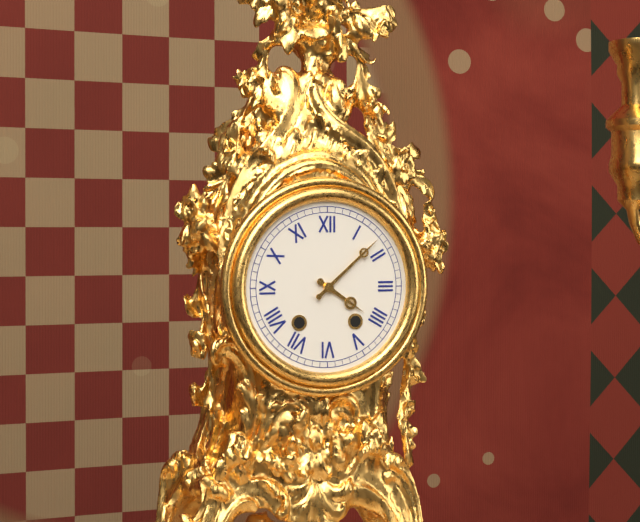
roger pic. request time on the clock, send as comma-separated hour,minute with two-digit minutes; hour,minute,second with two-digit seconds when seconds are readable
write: 4,08
